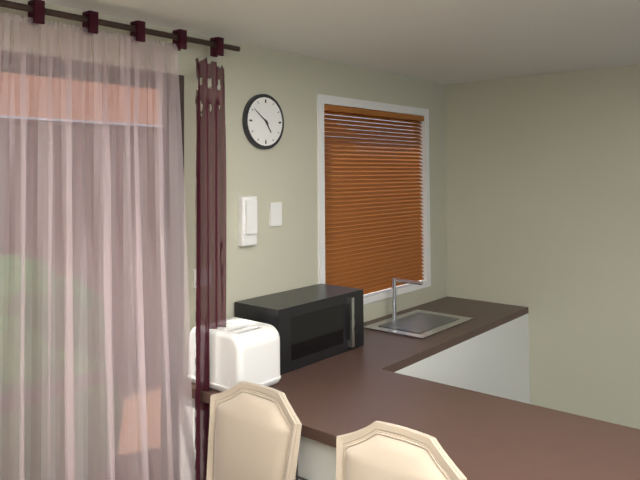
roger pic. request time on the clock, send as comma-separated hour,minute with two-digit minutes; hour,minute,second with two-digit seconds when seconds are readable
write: 4,51
